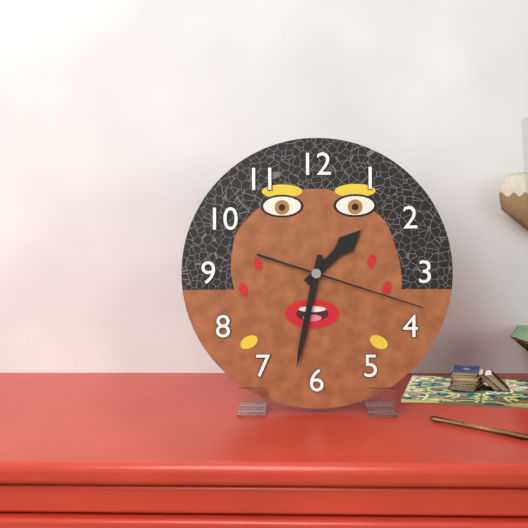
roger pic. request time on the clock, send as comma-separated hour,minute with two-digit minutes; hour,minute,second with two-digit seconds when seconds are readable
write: 1,32,18
